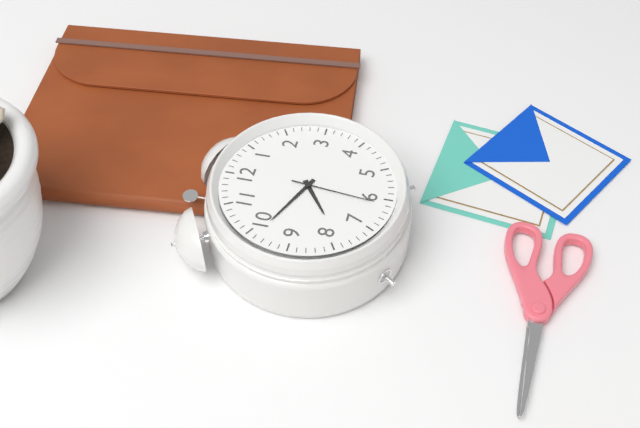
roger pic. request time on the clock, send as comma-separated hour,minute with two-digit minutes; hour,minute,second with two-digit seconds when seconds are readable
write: 7,49,31
